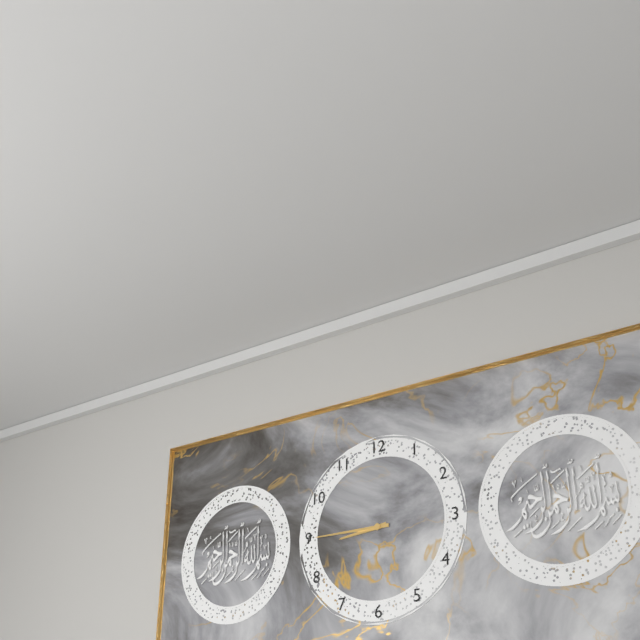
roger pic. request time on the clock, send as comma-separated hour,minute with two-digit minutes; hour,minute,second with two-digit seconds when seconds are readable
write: 8,45
